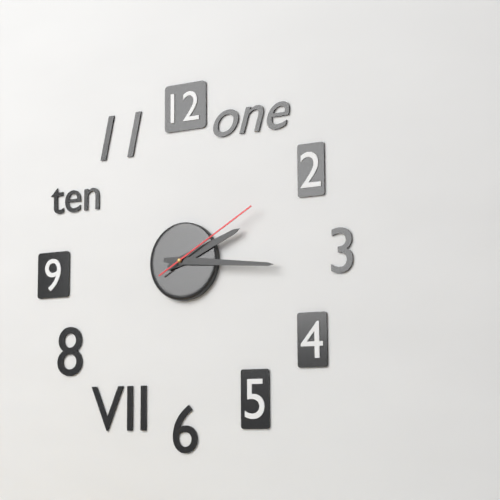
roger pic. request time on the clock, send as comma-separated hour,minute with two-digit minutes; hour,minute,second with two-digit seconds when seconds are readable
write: 2,16,10
